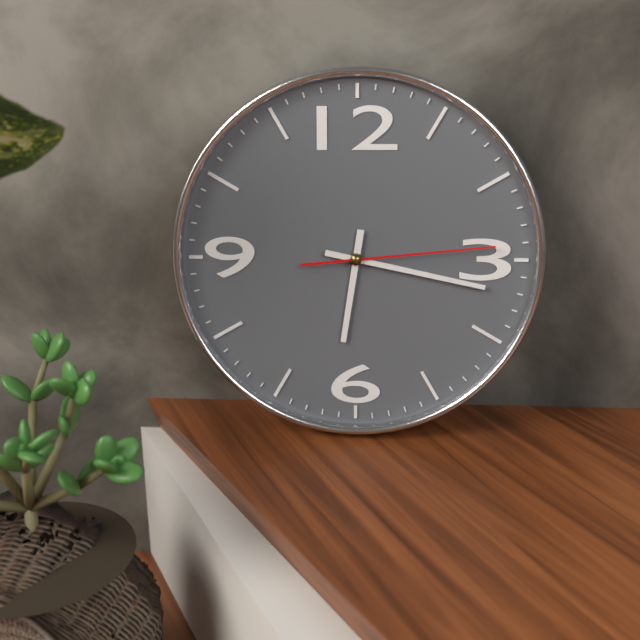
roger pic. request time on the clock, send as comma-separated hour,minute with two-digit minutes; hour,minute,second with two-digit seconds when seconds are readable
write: 6,17,14
